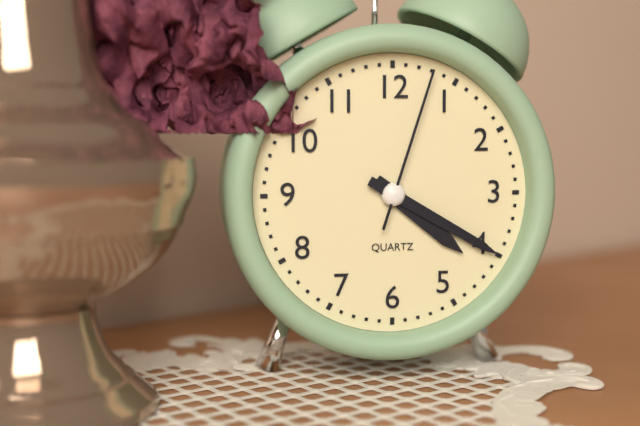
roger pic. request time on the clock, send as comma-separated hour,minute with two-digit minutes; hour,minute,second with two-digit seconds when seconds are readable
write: 4,20,03
